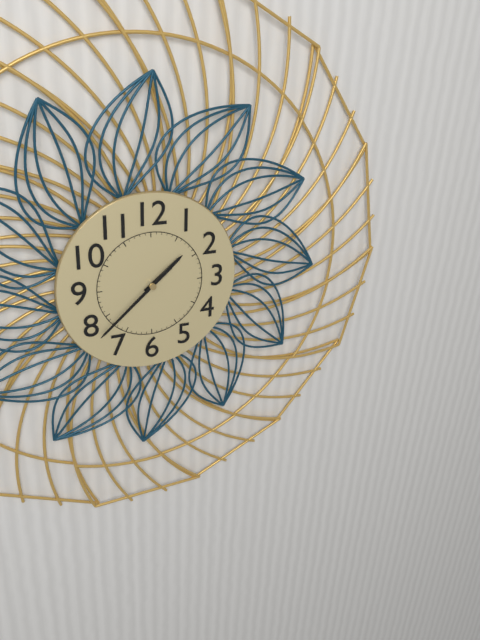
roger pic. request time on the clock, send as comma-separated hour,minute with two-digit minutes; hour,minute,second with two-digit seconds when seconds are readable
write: 1,38
